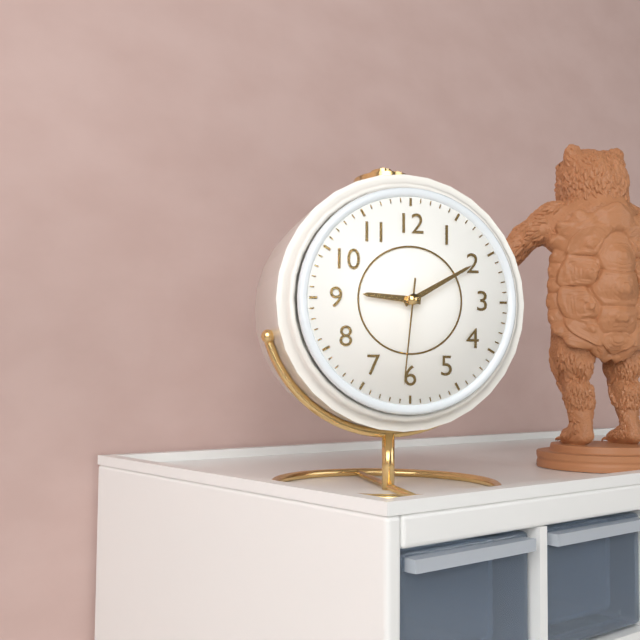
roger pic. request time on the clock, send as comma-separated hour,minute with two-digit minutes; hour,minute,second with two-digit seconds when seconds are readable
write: 9,10,31
